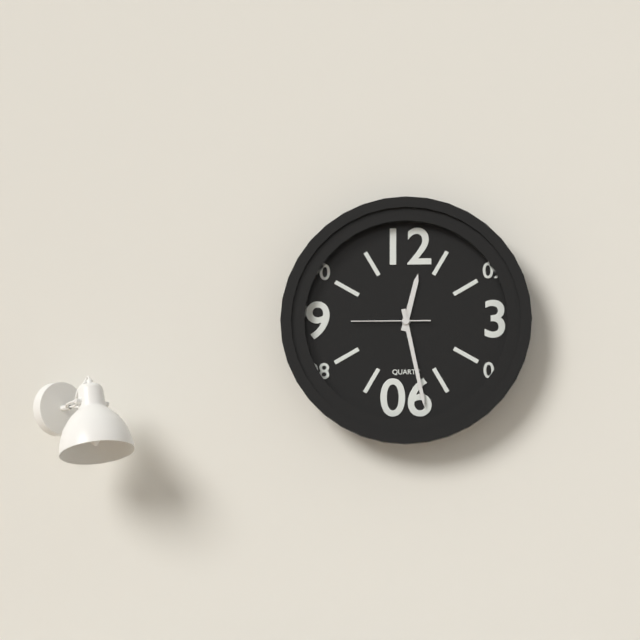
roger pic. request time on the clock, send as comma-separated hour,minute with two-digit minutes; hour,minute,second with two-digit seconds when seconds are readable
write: 12,28,45
